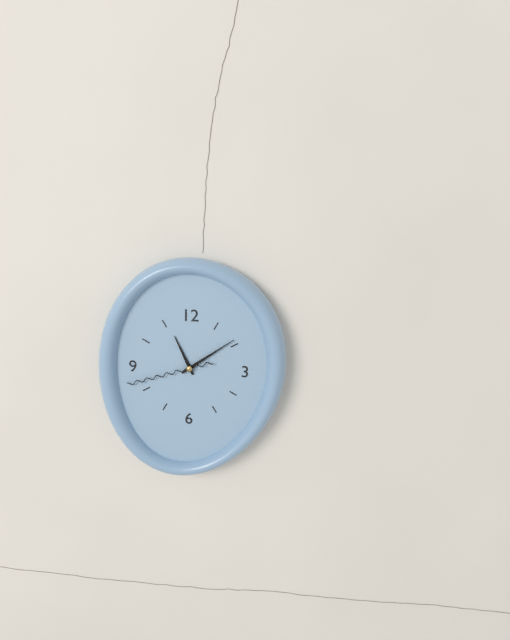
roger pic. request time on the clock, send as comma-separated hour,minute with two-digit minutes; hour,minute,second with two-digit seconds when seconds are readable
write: 11,09,42
